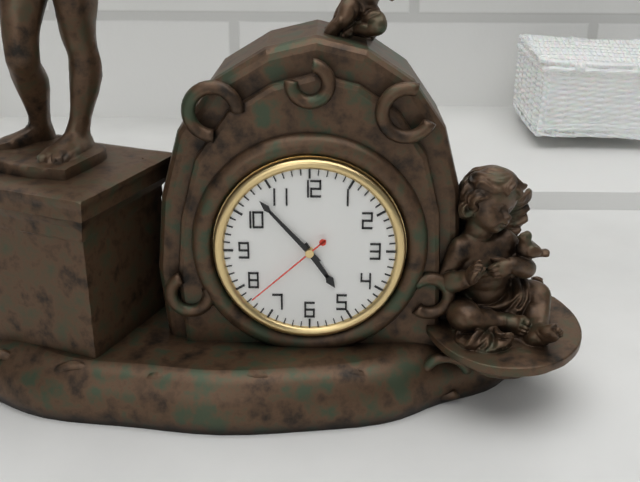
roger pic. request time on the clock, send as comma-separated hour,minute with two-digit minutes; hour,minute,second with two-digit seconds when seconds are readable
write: 4,53,38
